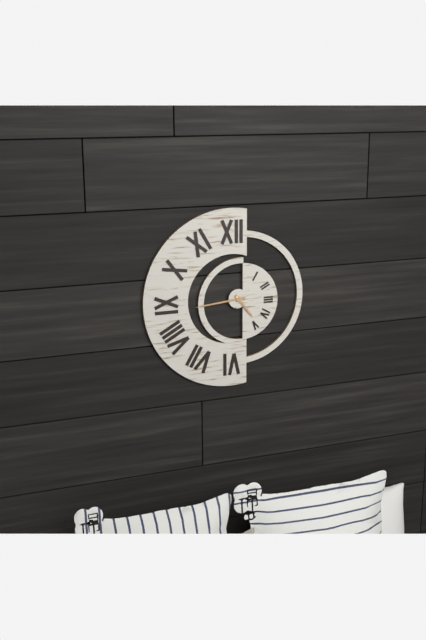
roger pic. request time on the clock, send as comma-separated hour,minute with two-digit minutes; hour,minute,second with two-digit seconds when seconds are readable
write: 4,44
